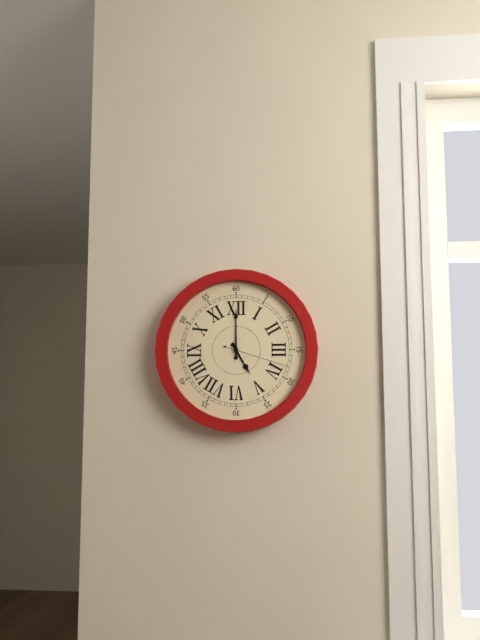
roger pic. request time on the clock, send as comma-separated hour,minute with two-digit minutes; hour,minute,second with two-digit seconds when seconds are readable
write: 5,00,18
